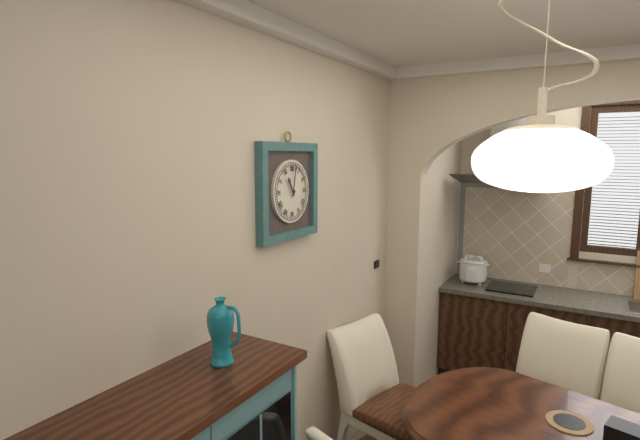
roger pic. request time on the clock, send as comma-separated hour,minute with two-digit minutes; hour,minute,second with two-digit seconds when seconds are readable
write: 11,02
